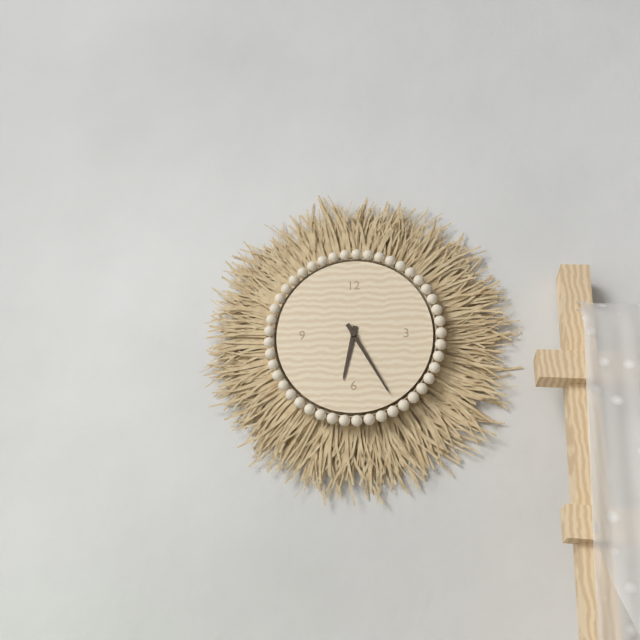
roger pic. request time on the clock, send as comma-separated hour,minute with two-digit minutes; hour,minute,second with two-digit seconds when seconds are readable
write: 6,25
